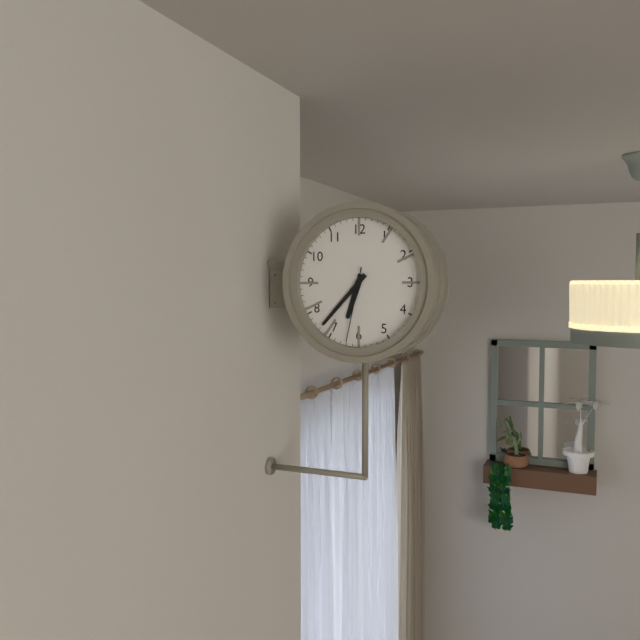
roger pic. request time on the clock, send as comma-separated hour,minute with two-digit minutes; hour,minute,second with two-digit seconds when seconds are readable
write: 6,37,32
